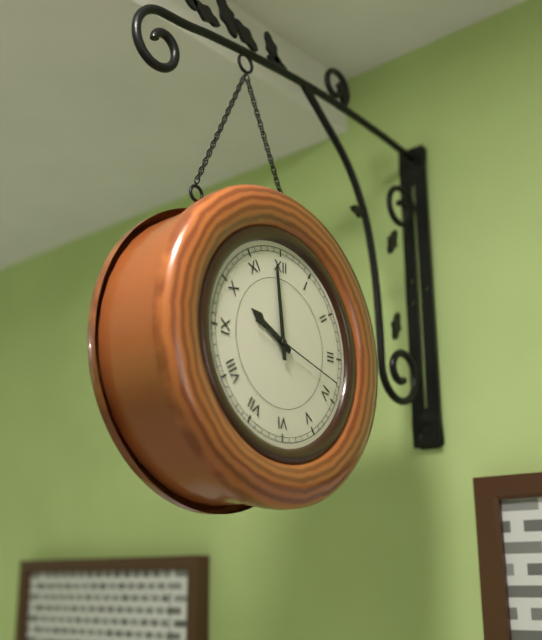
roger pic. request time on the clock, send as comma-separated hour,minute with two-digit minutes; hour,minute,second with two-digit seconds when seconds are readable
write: 9,59,18
